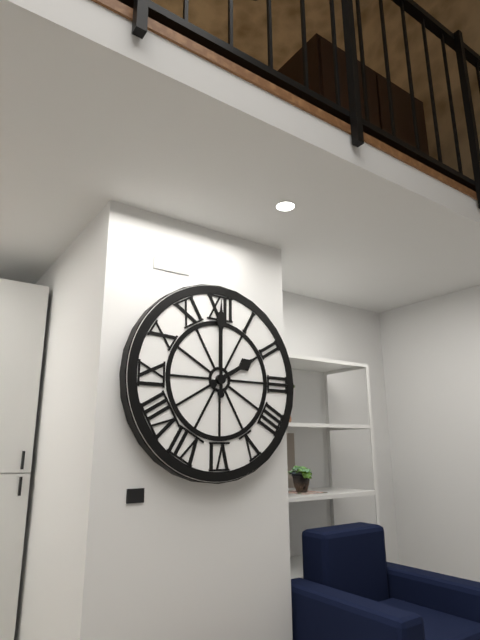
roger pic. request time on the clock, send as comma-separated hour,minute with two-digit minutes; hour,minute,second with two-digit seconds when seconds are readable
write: 2,00
